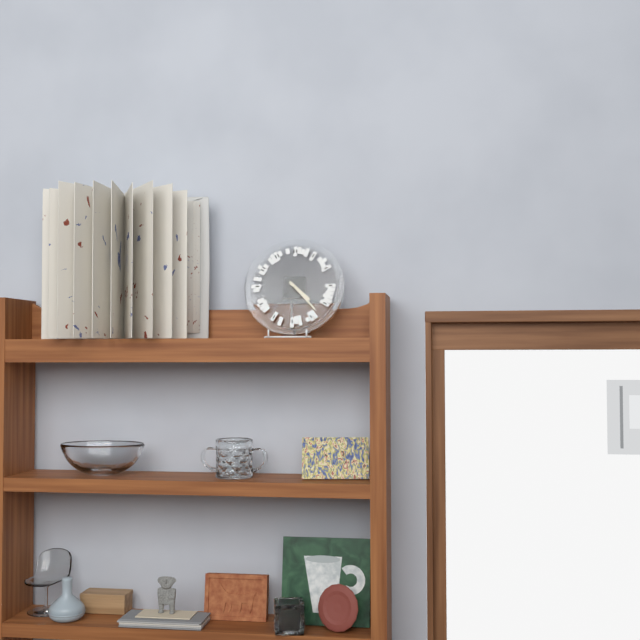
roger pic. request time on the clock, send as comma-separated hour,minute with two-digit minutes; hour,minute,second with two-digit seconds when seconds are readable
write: 4,23
